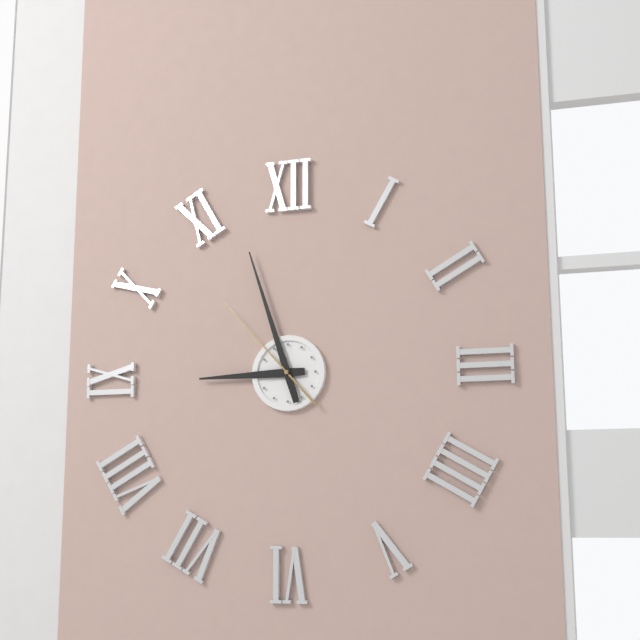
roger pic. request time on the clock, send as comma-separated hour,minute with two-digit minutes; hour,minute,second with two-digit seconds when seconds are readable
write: 8,57,53
